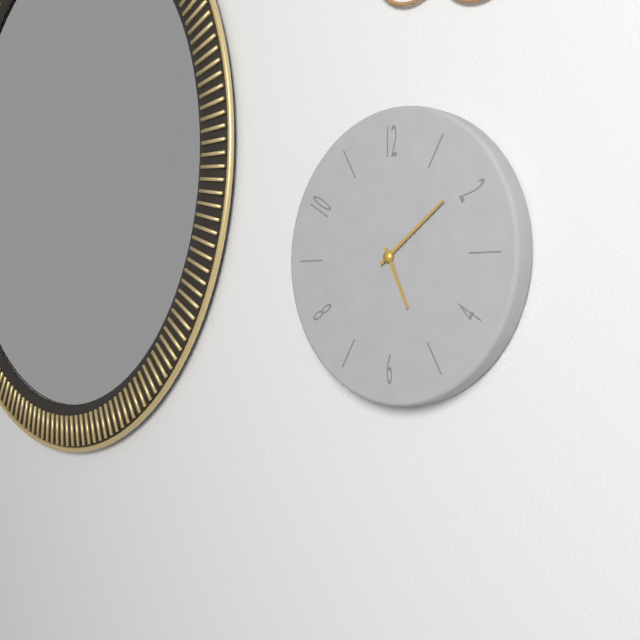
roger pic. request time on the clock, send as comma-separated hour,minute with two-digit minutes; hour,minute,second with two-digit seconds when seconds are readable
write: 5,09
